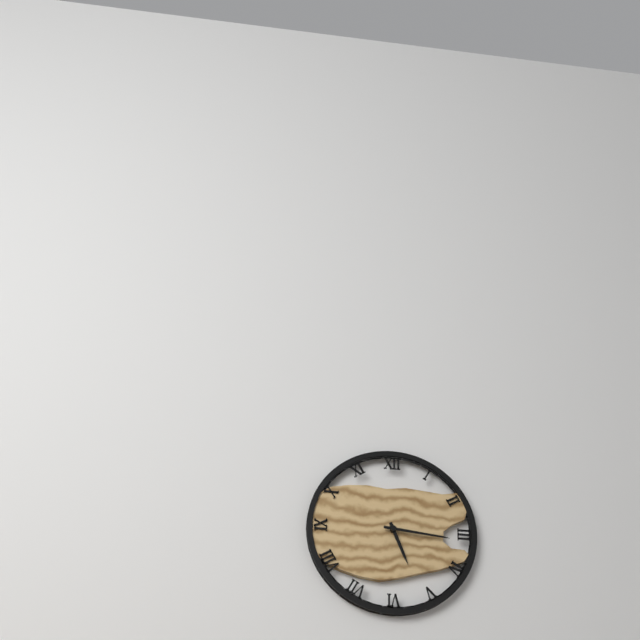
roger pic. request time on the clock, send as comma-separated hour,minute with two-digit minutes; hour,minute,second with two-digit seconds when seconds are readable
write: 5,16
